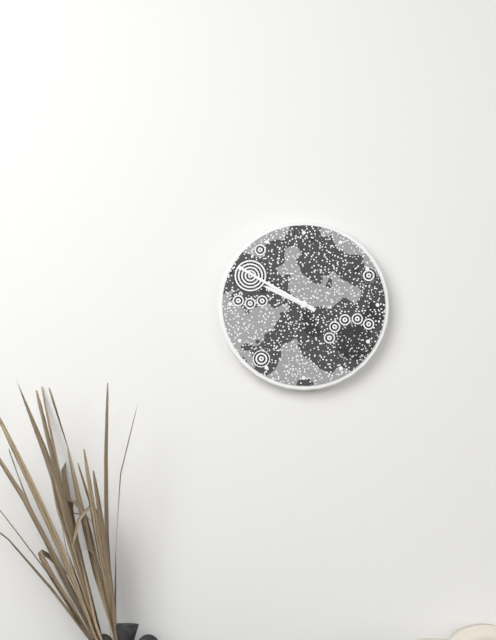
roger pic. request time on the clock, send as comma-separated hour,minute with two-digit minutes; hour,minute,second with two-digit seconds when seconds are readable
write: 9,50
